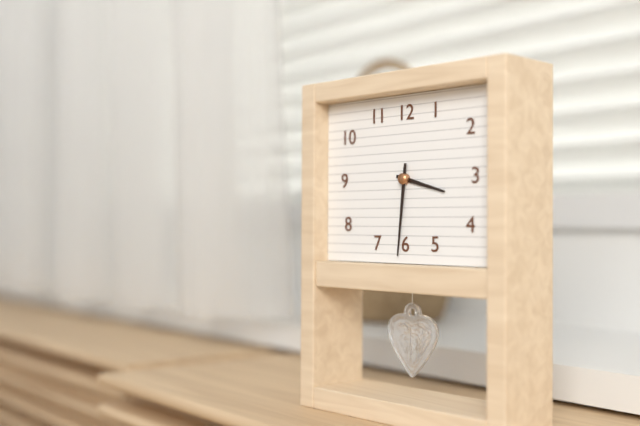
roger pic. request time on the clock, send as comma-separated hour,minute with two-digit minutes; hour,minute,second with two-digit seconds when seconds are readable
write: 3,31
